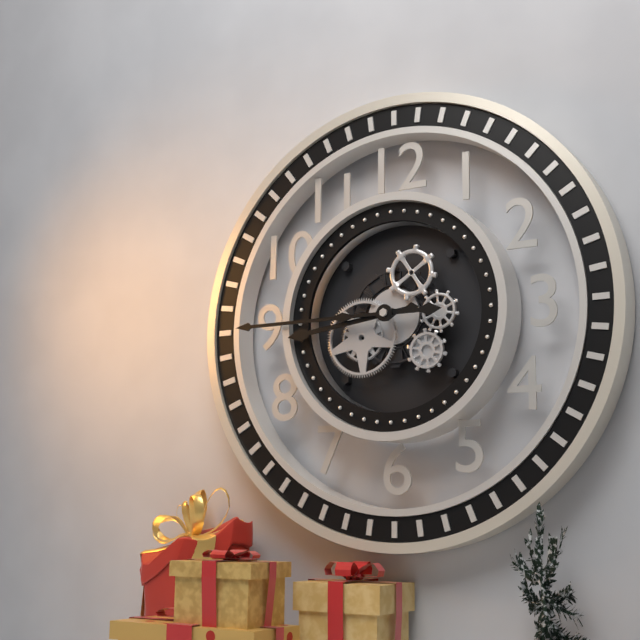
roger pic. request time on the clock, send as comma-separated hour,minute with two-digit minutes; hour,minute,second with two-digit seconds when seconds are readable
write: 8,45
